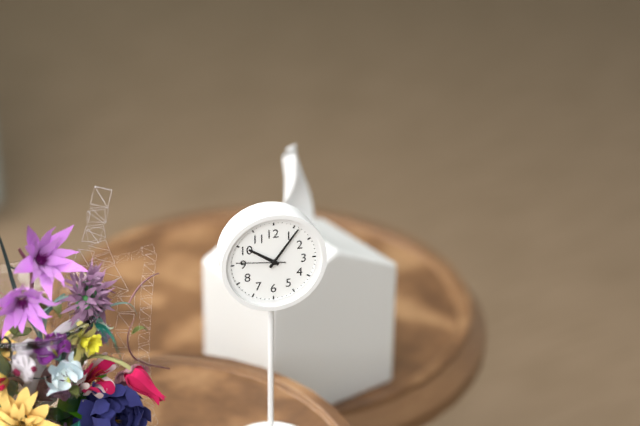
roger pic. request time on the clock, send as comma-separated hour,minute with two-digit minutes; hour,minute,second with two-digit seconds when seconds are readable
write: 10,06
